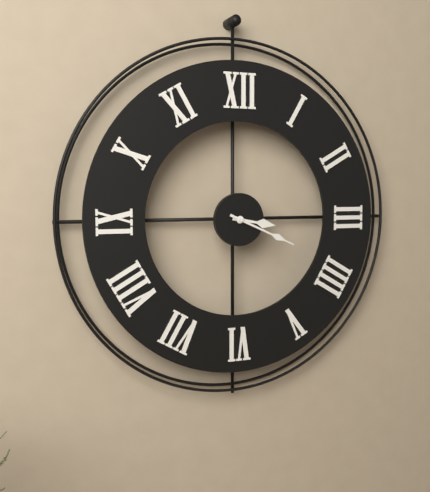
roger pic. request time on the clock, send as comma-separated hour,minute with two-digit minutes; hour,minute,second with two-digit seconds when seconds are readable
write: 3,19
